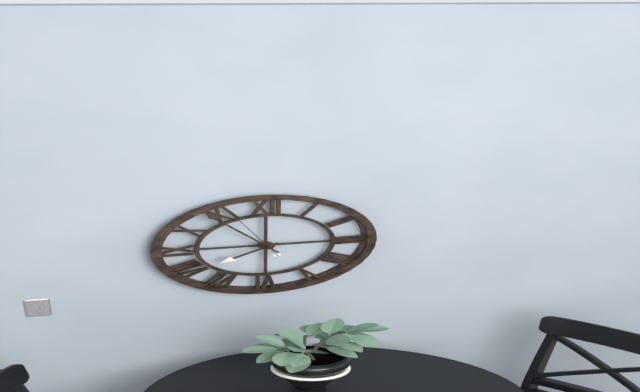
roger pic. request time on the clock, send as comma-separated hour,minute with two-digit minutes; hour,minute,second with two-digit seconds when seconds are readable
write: 7,54,56
